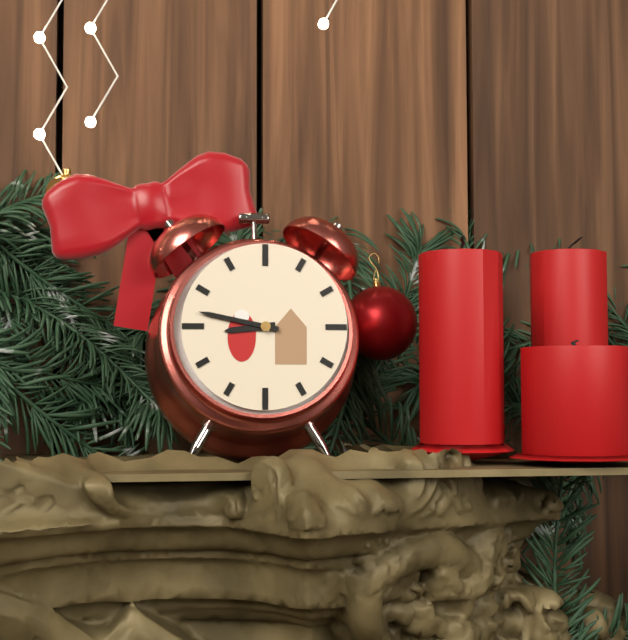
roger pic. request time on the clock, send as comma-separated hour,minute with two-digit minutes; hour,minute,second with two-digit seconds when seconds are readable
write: 8,47
